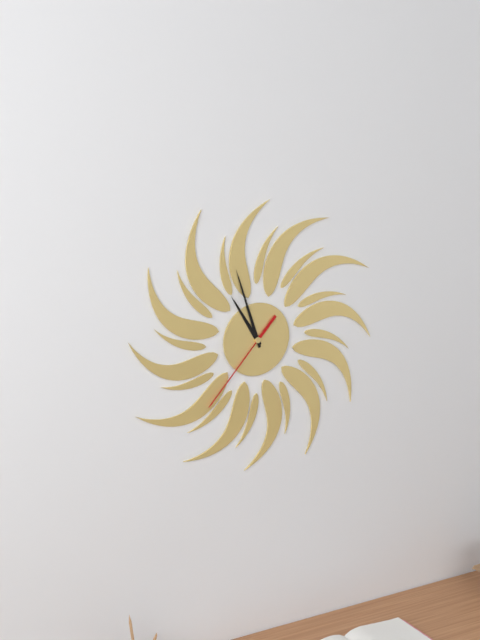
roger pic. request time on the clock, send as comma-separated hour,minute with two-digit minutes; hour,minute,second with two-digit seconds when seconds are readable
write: 10,57,37
